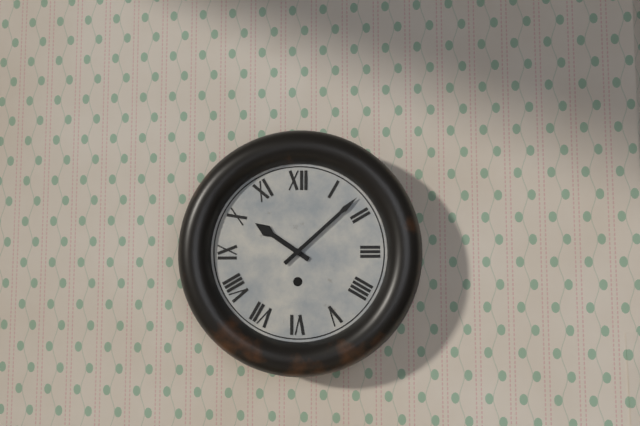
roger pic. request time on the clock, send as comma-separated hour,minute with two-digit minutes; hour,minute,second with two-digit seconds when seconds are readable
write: 10,08
